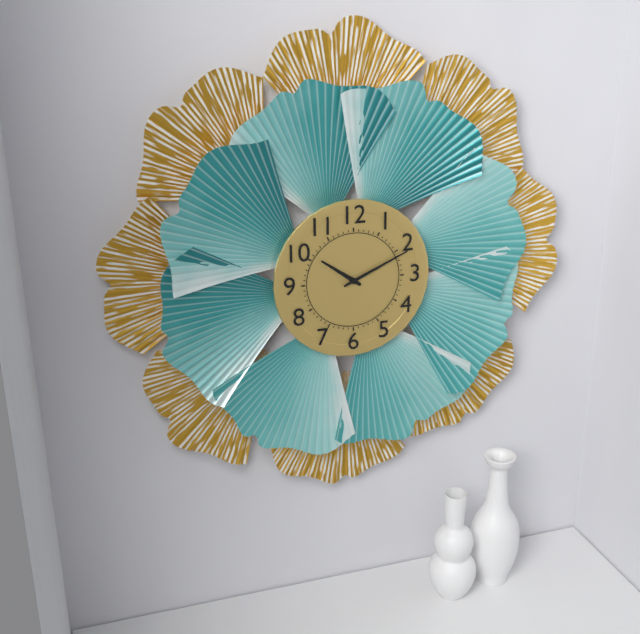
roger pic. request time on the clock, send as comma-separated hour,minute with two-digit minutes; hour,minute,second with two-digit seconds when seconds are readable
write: 10,11
